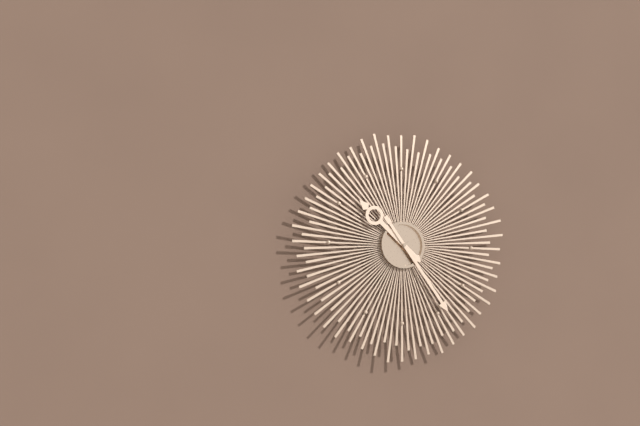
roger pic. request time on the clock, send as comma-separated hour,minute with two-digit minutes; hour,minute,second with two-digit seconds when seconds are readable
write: 10,24
